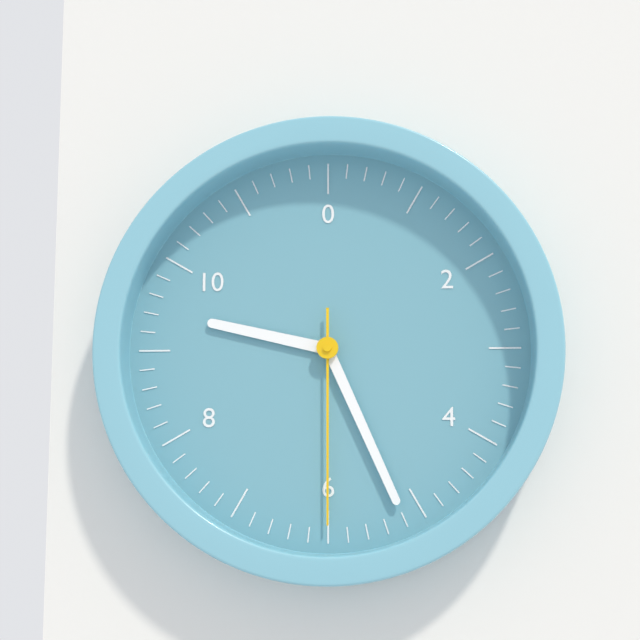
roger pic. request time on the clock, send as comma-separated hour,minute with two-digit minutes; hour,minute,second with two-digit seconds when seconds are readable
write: 9,26,30
